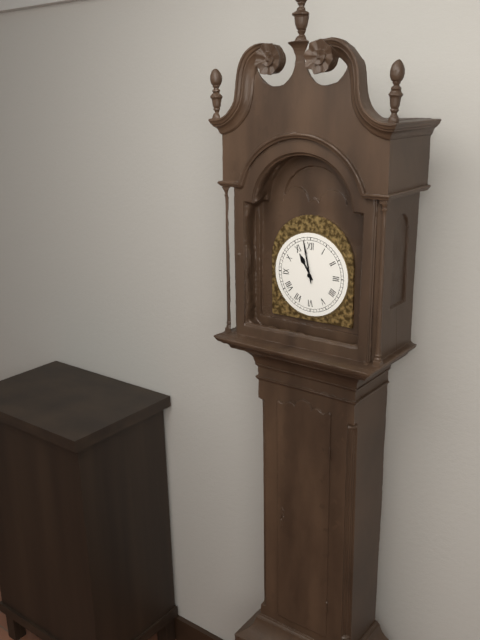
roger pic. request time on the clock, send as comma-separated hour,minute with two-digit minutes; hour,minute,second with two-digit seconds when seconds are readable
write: 10,58
